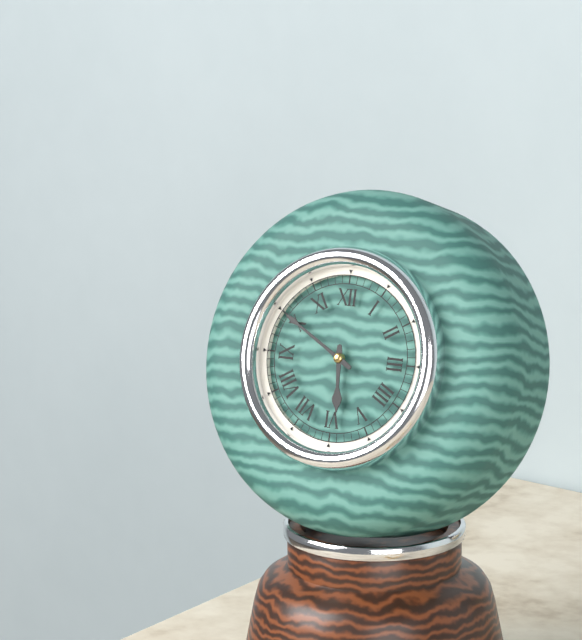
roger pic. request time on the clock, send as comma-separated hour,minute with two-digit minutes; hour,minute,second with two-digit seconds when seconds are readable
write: 5,50
